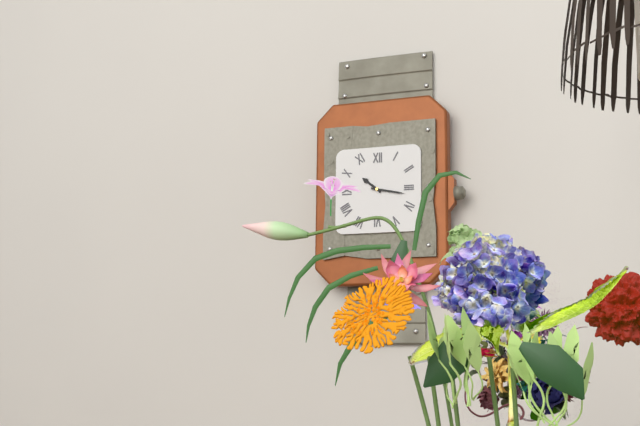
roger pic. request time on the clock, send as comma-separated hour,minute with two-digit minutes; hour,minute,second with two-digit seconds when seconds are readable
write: 10,17
